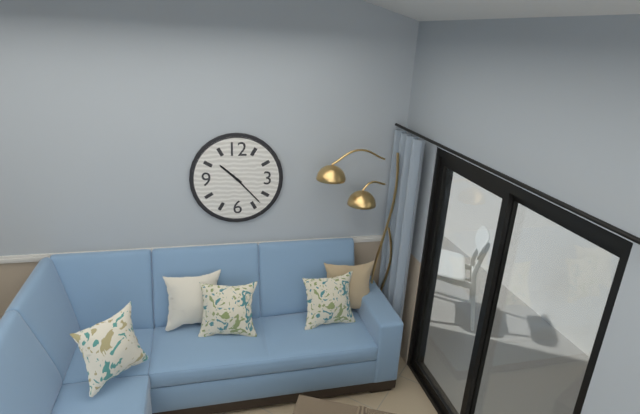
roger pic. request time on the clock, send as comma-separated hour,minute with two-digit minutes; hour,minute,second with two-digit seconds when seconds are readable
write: 10,23
